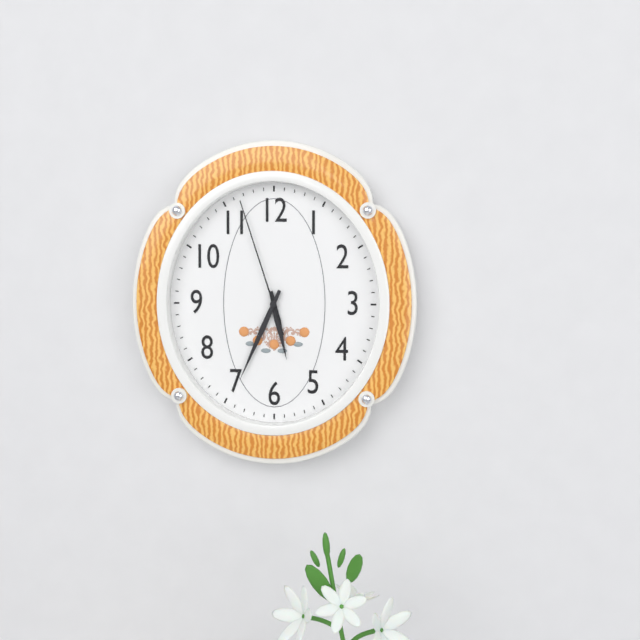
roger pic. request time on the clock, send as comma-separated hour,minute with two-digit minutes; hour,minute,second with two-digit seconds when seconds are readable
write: 5,34,57
